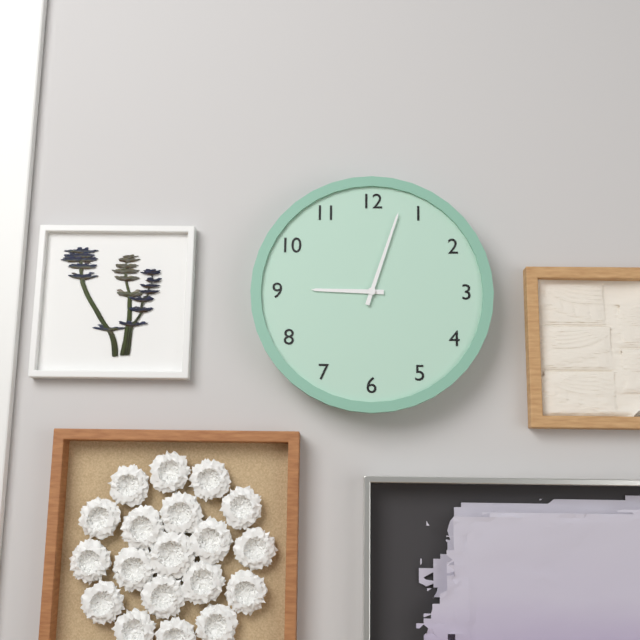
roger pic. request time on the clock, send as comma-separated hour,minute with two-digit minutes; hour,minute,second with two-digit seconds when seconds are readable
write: 9,03
